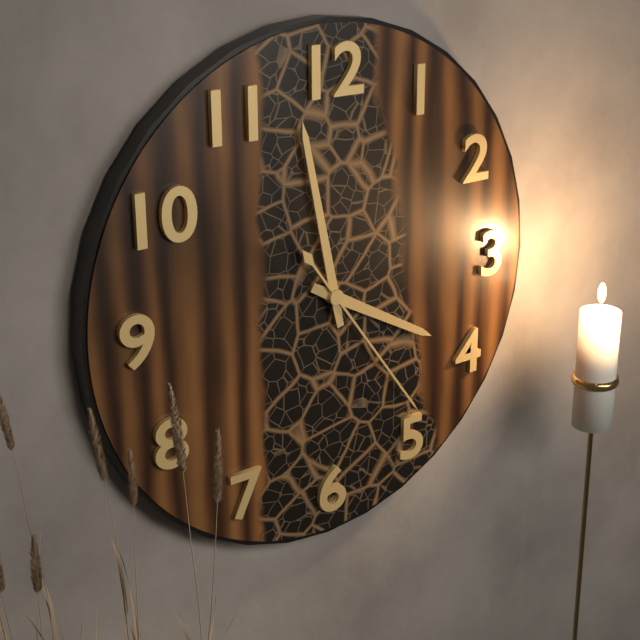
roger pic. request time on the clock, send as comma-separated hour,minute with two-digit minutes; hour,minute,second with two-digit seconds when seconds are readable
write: 3,58,24
